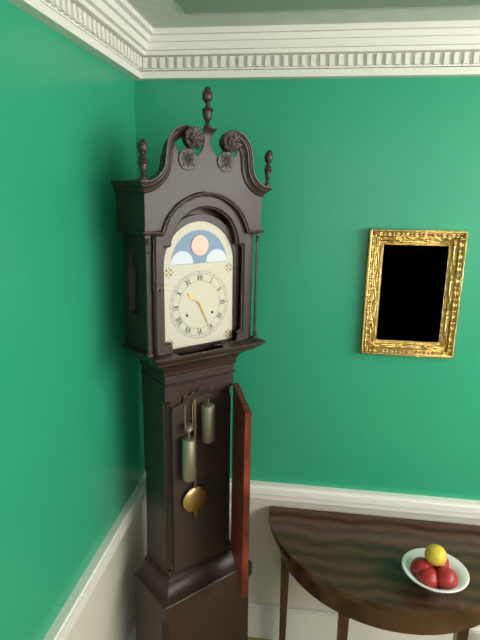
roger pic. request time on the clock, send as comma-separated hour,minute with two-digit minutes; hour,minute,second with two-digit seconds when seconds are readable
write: 10,26
